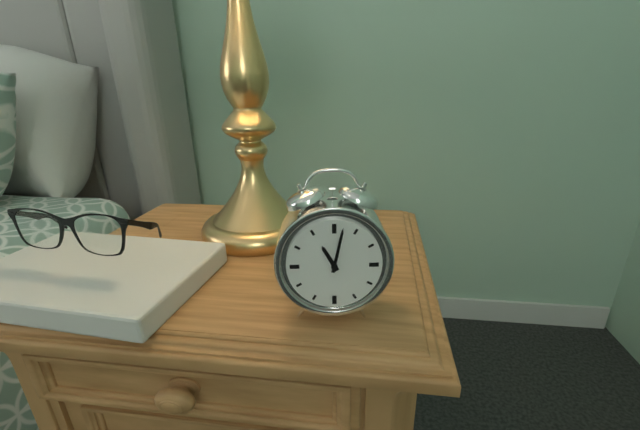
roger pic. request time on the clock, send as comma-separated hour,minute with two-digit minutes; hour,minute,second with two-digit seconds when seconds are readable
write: 11,02
